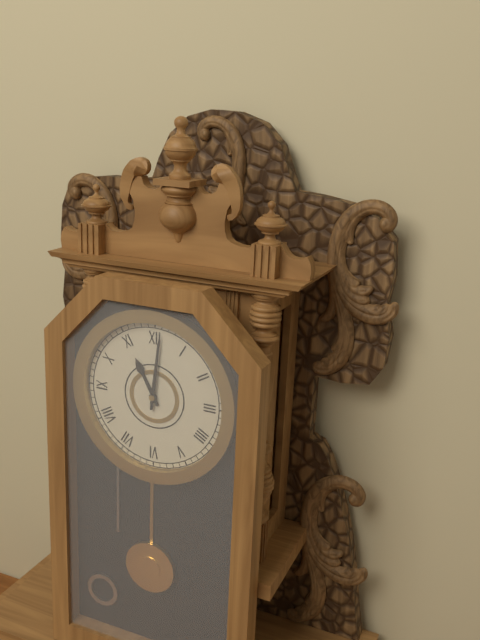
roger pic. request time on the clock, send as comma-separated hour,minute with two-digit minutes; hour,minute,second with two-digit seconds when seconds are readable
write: 11,01
